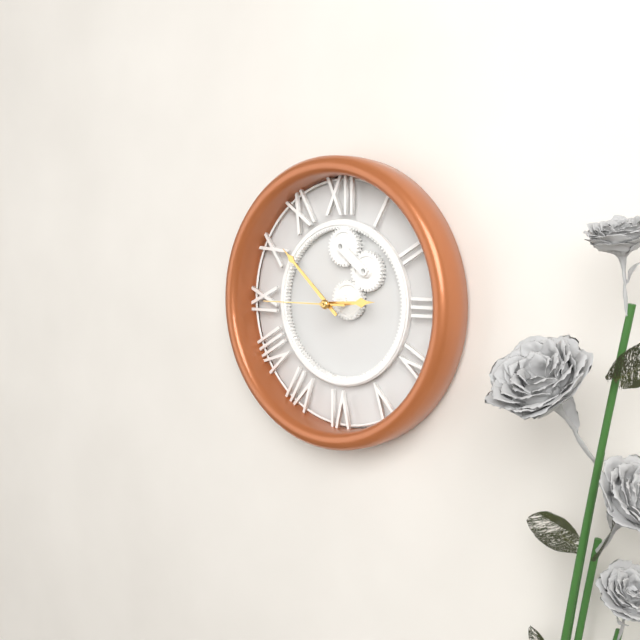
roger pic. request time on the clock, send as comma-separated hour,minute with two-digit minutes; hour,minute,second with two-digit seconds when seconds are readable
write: 2,52,45
